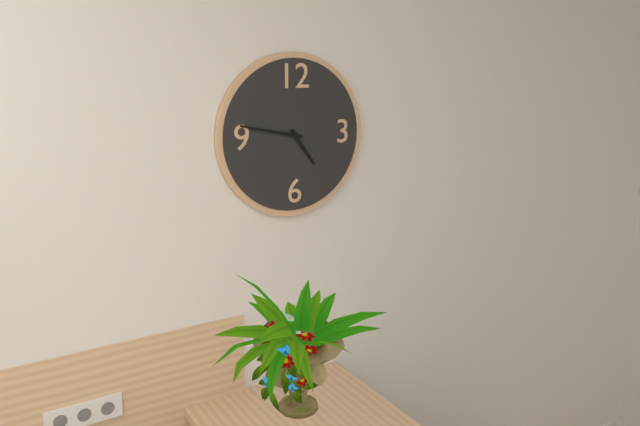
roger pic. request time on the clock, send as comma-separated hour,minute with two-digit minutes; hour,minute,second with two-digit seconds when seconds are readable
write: 4,47
